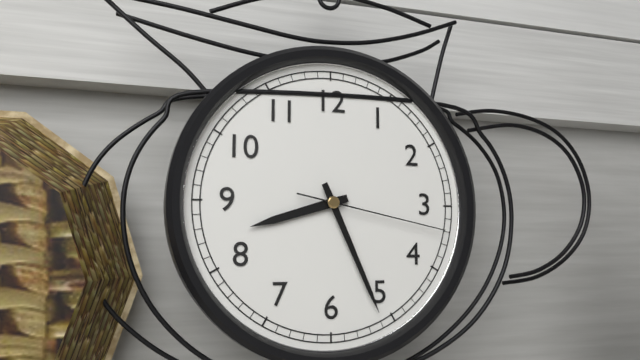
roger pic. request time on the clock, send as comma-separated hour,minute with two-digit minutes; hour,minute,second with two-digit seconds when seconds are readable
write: 8,26,17
